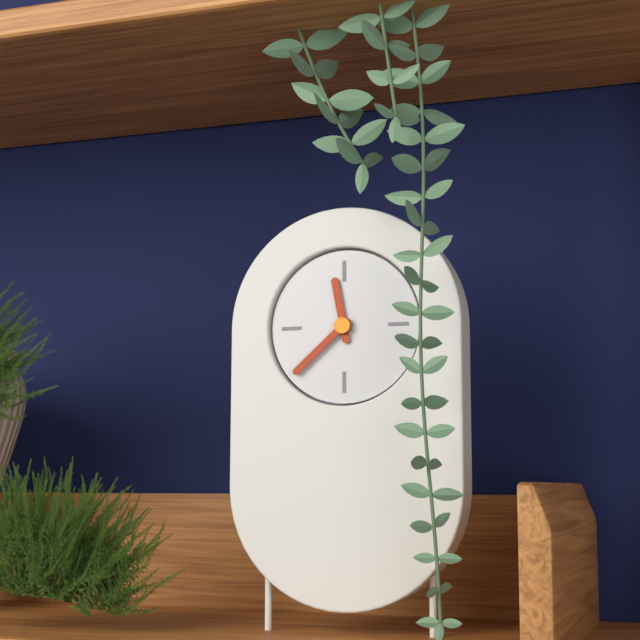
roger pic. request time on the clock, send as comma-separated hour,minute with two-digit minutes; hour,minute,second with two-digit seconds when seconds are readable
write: 11,38
